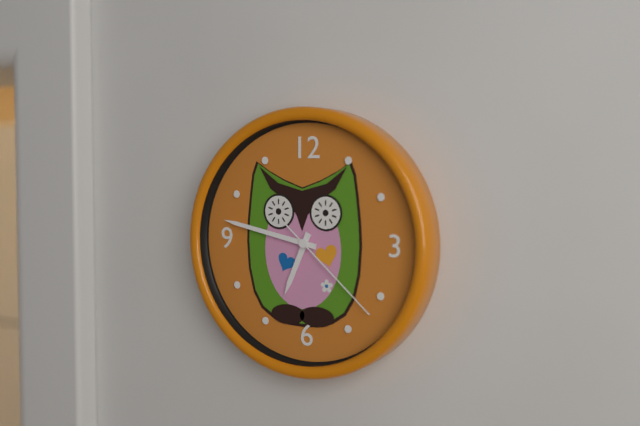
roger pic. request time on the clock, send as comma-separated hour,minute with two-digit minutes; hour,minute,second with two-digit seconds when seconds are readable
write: 6,47,22
